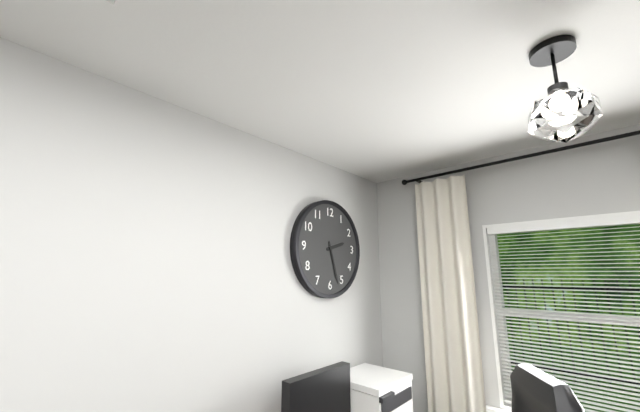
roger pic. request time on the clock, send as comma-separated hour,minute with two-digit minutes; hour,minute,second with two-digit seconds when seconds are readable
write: 2,27
